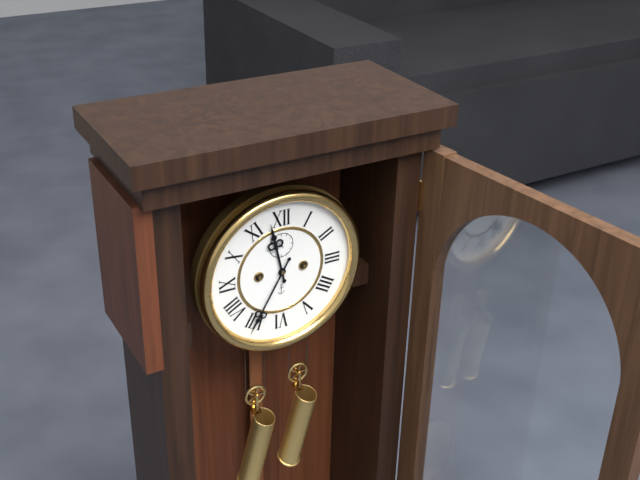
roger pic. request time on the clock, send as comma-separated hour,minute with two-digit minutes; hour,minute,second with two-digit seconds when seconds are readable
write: 11,35
